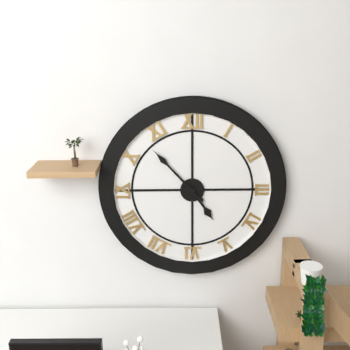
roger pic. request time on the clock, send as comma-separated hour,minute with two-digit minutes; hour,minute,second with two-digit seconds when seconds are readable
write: 4,53
